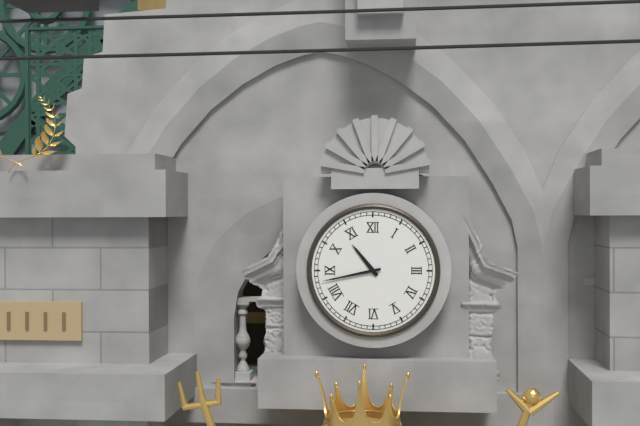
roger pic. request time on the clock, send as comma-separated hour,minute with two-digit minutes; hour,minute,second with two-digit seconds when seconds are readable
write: 10,43
